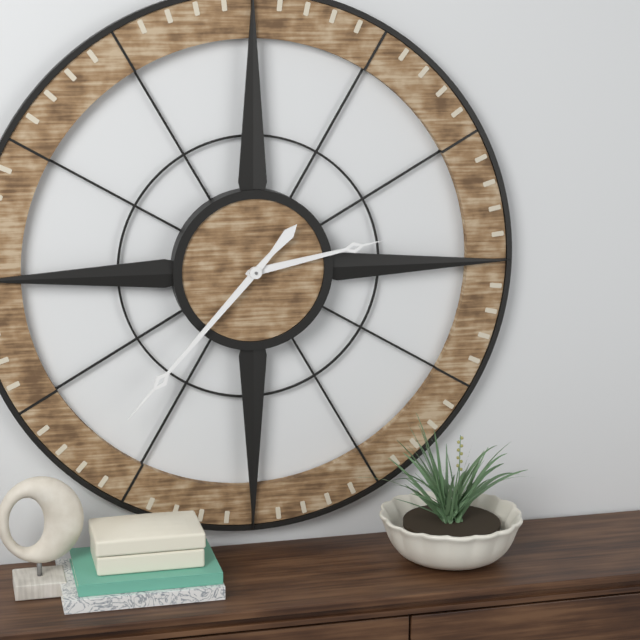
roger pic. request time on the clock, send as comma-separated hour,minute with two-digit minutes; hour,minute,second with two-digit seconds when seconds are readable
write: 2,37
